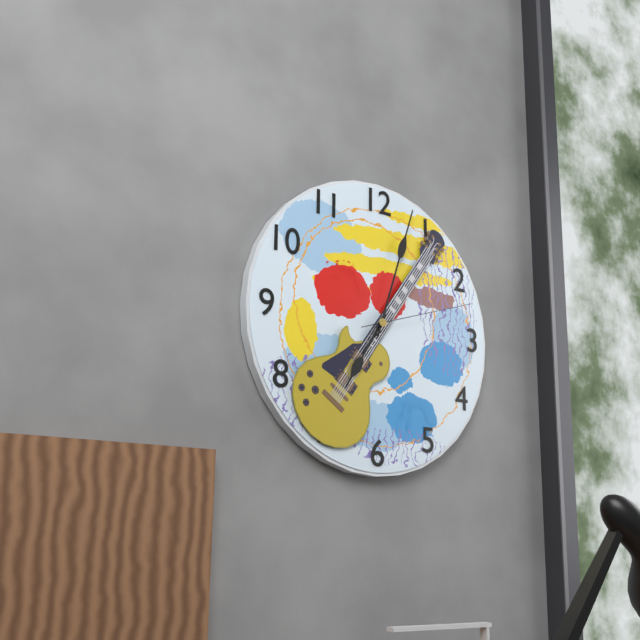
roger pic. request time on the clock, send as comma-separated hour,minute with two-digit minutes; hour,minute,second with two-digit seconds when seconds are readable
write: 7,03,12
